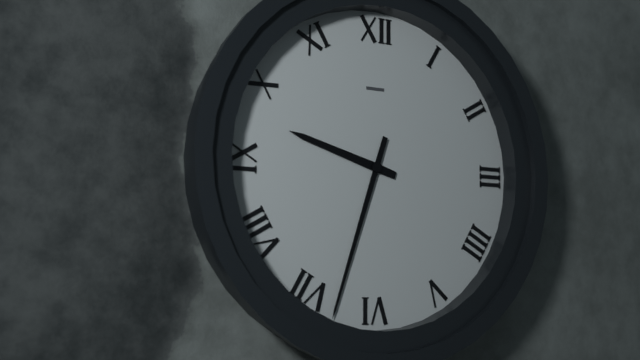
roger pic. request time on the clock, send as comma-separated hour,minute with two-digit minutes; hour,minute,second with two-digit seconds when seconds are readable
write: 9,33
